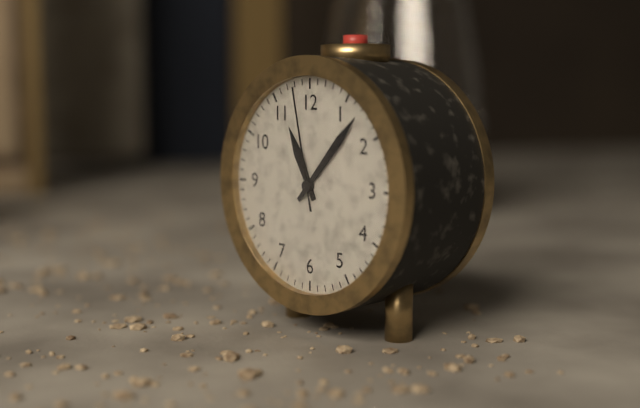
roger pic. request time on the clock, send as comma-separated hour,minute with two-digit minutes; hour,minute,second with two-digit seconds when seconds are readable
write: 11,07,58
